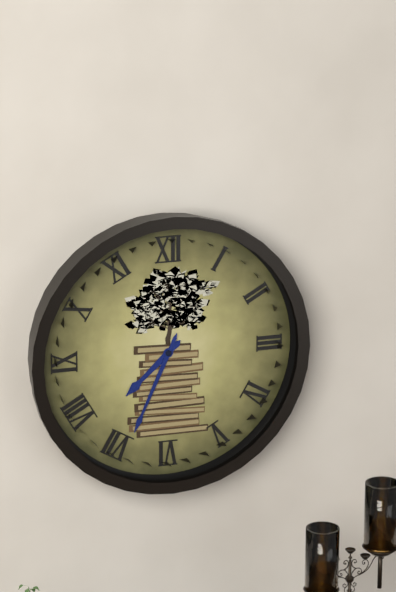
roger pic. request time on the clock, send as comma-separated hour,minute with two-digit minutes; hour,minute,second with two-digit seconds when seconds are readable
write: 7,34
